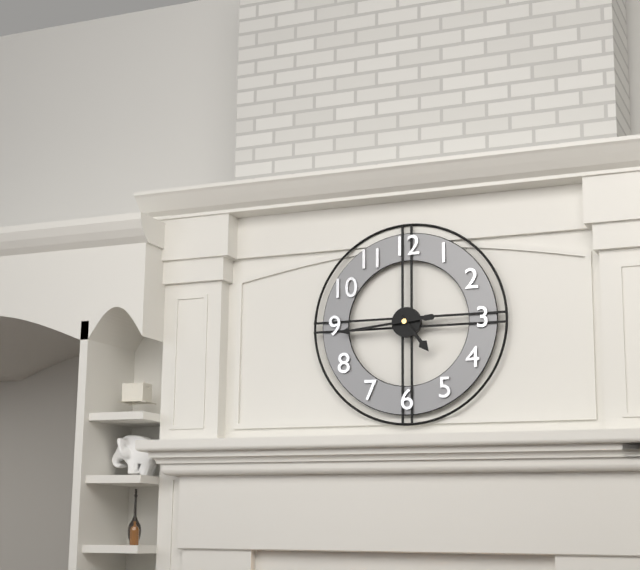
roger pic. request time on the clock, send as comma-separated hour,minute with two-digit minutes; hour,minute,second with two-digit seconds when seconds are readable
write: 4,44
